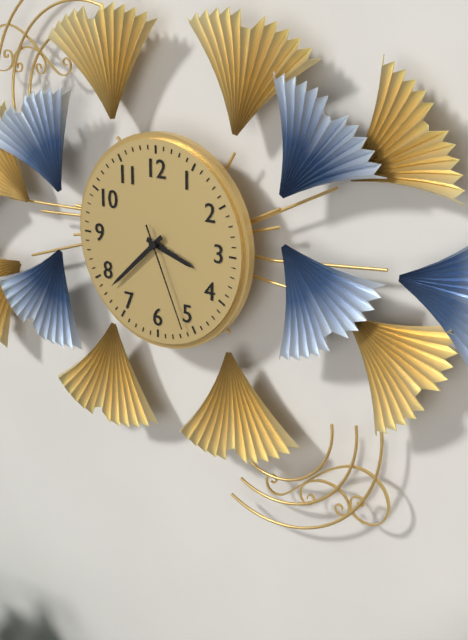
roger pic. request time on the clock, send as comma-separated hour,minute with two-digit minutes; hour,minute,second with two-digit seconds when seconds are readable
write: 3,38,26
